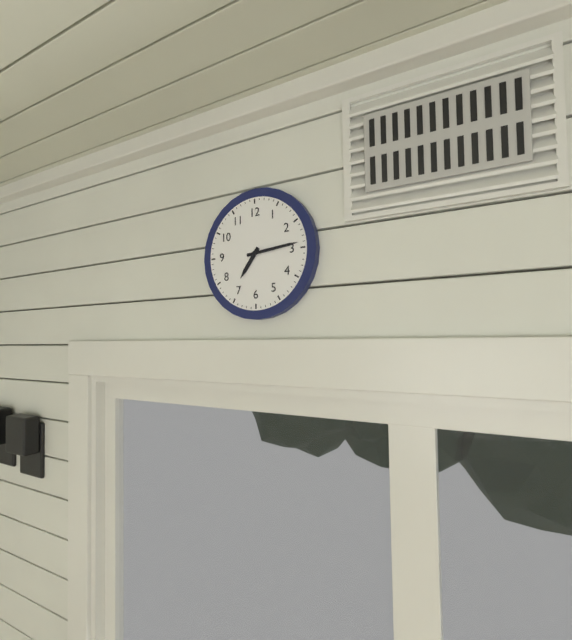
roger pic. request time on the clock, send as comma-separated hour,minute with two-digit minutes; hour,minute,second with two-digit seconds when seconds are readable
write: 7,14
